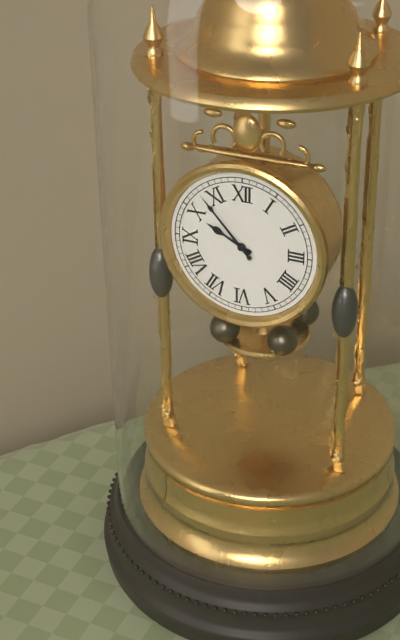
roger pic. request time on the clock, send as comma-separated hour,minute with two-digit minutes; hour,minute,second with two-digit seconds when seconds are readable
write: 9,53
